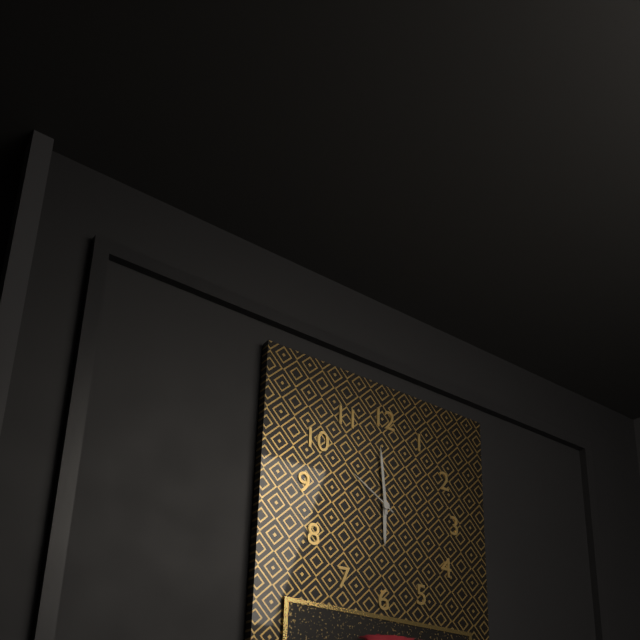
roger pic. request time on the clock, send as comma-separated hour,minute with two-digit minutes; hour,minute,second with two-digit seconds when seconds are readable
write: 5,59,50
